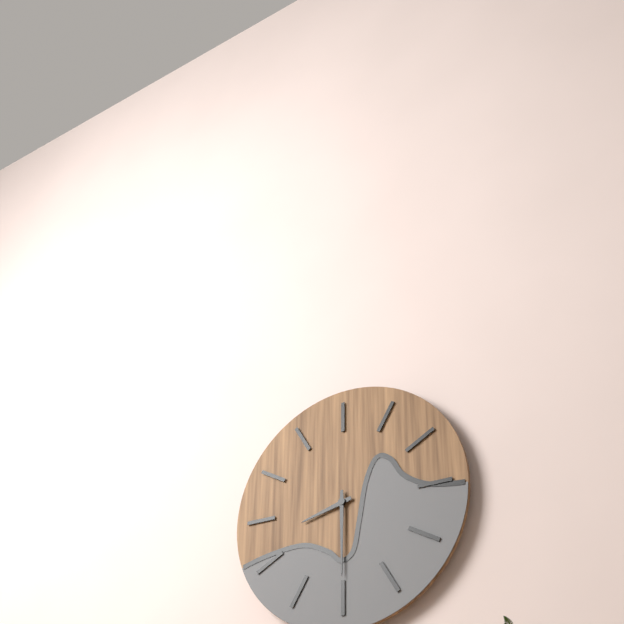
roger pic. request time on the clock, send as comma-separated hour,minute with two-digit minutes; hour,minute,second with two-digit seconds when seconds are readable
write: 8,30
